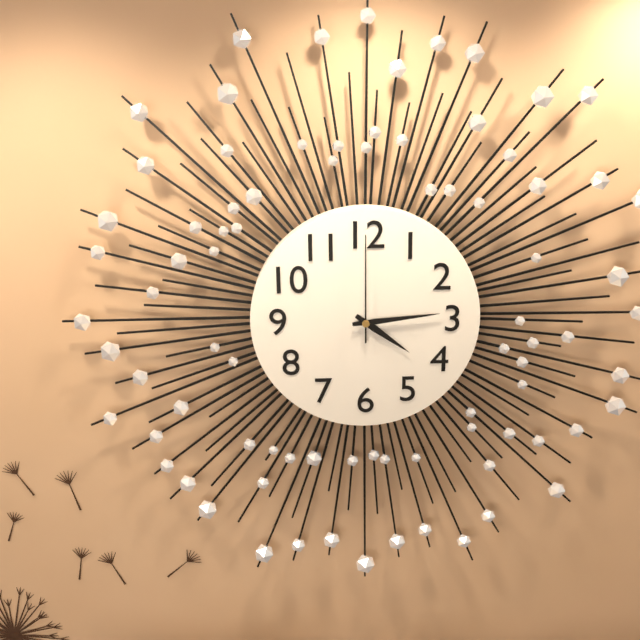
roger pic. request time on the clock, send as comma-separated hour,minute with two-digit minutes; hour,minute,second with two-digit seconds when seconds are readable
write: 4,14,00
